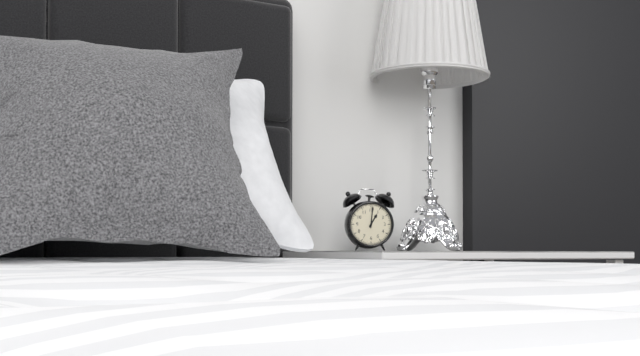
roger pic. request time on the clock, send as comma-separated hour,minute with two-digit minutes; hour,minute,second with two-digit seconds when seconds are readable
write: 1,01
